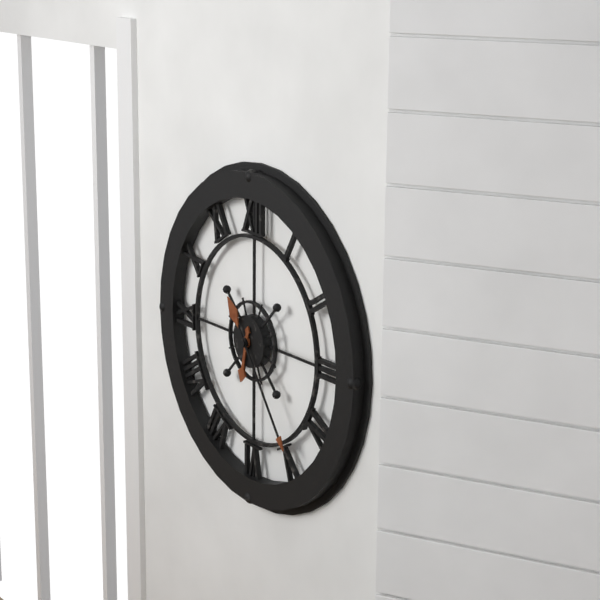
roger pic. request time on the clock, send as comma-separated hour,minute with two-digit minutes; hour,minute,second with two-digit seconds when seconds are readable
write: 6,24
